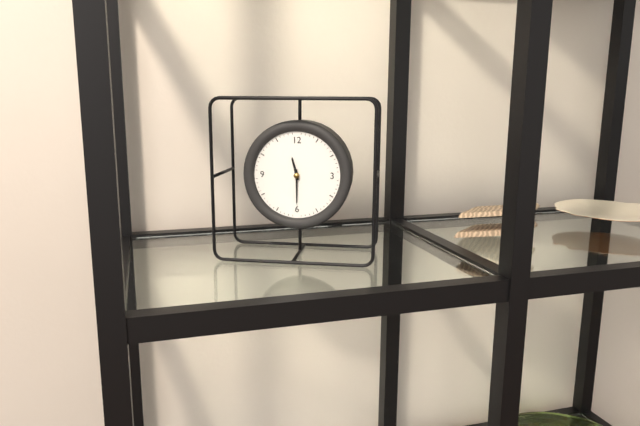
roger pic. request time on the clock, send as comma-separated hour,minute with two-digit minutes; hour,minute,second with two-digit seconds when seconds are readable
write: 11,30
